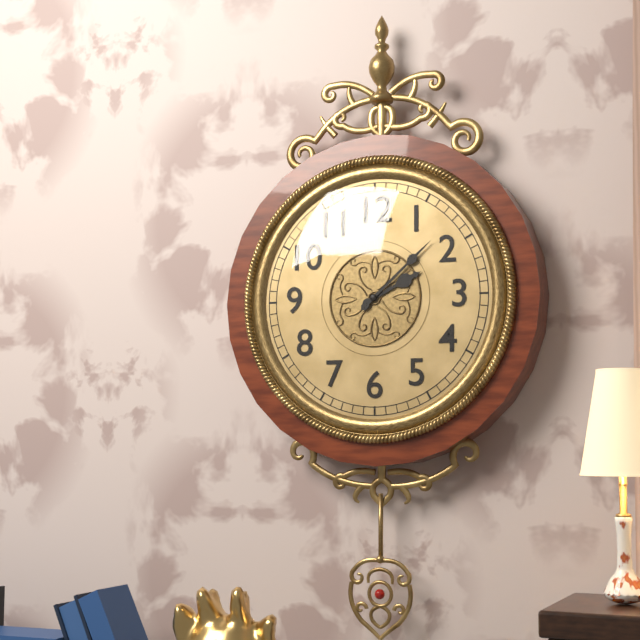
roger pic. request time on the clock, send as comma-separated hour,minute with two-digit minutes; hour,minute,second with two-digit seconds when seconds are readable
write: 2,08
